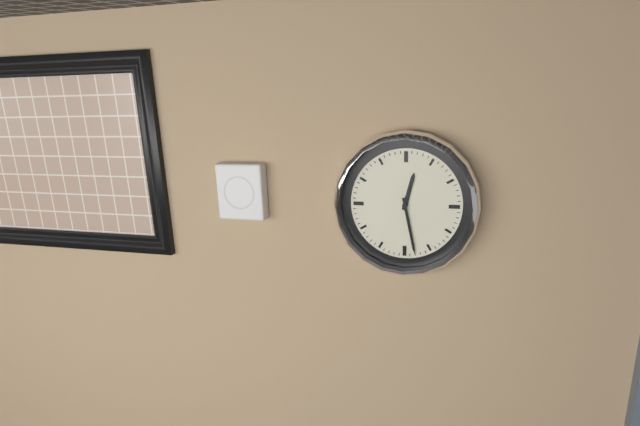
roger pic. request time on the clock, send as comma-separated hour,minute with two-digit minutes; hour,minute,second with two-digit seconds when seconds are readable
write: 12,28
